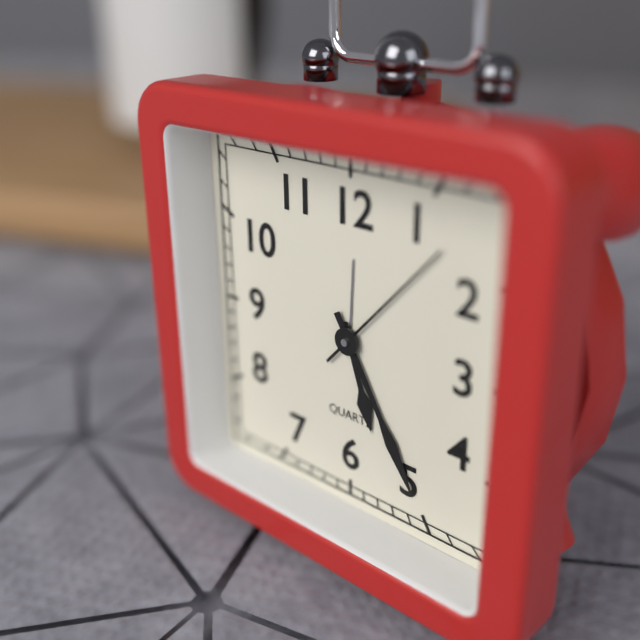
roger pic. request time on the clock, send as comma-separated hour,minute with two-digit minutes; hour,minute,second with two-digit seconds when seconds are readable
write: 5,25,07
